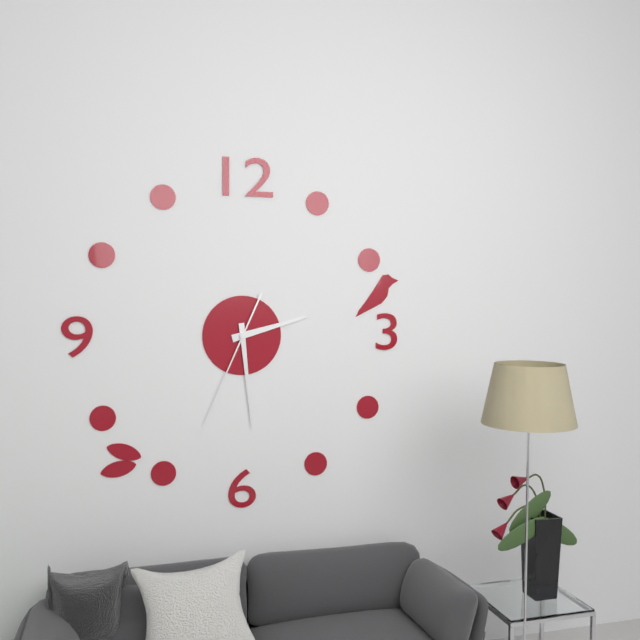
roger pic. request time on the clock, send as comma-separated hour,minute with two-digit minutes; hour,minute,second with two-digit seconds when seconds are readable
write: 2,29,34
